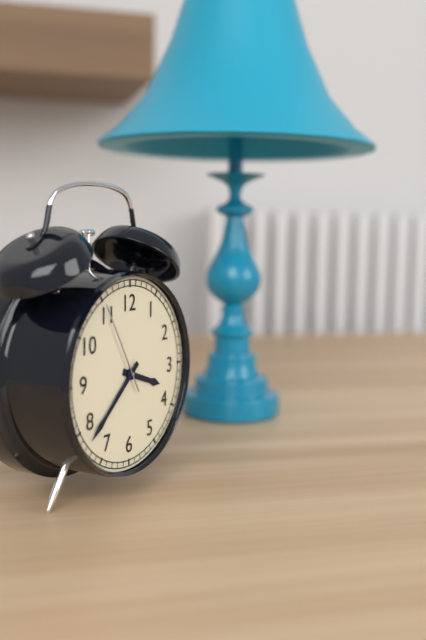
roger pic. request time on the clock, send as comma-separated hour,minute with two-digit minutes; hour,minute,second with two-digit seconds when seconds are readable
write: 3,38,55
